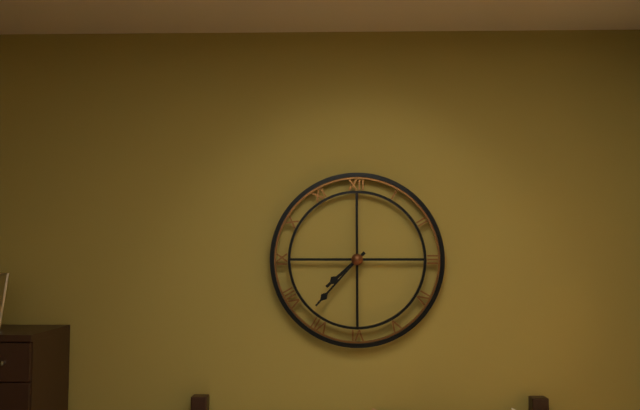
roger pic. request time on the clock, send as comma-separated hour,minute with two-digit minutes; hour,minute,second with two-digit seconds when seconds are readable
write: 7,37
